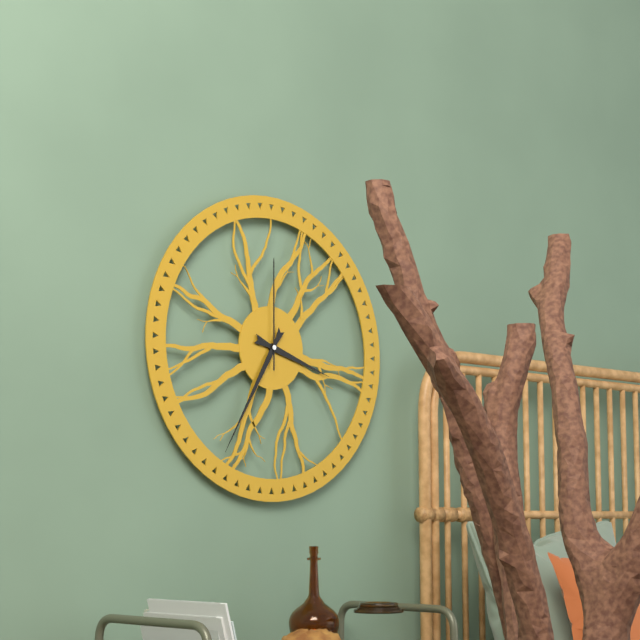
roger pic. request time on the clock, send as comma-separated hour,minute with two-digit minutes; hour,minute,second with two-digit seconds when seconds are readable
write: 3,35,00
